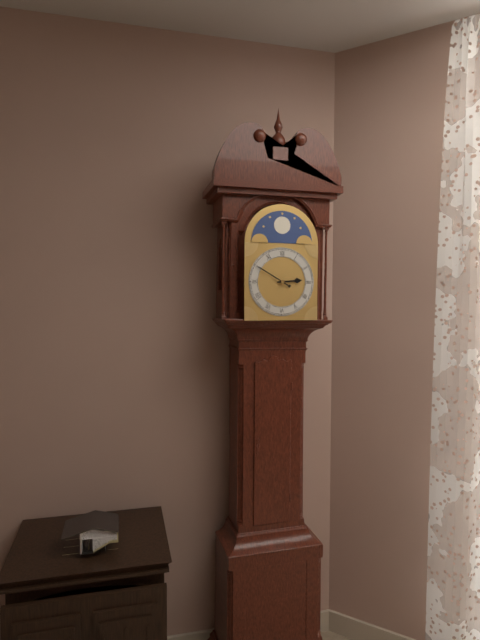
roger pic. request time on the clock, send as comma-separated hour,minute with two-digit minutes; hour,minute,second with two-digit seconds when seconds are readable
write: 2,50
